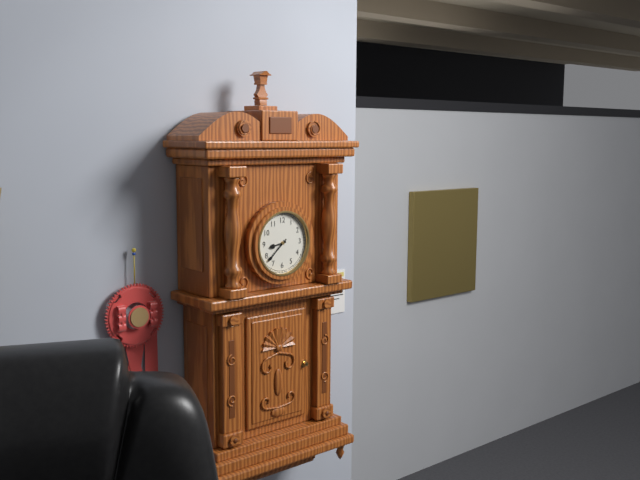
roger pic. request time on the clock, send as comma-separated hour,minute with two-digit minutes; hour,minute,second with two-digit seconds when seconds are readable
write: 8,38
